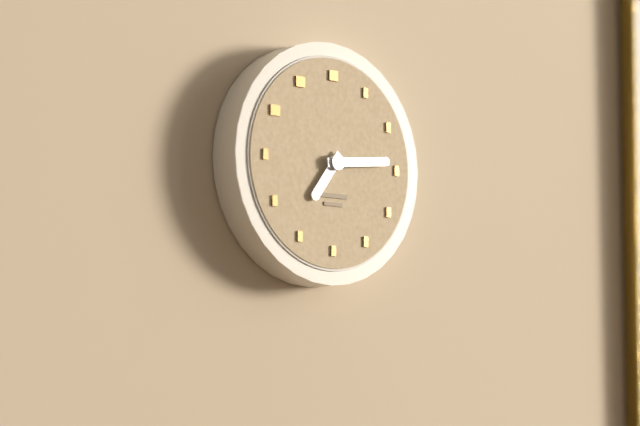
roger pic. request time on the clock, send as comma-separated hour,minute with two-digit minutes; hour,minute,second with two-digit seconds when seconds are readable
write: 7,14
